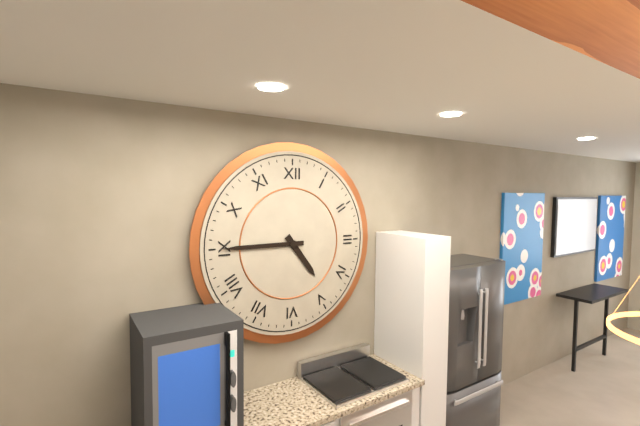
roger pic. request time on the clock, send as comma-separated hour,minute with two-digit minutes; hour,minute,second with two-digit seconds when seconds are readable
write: 4,45
